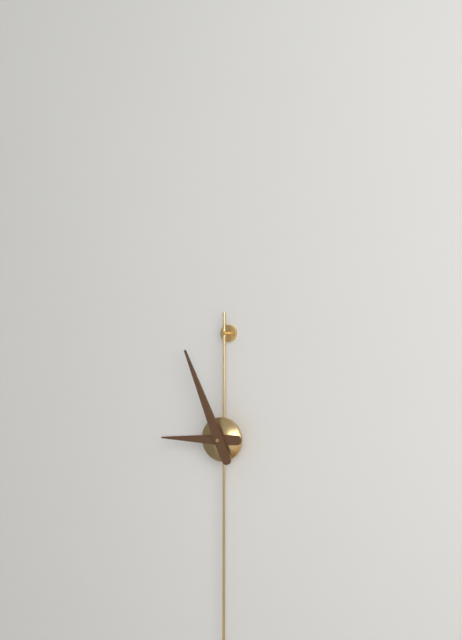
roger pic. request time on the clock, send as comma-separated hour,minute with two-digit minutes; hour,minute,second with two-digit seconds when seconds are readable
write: 8,56
